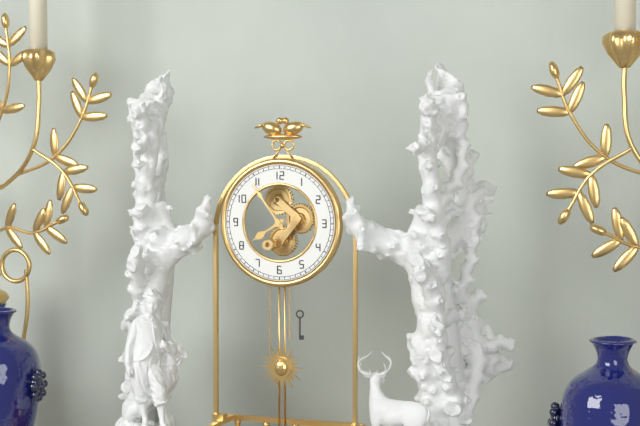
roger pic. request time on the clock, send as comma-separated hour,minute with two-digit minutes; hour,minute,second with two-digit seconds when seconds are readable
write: 7,54
